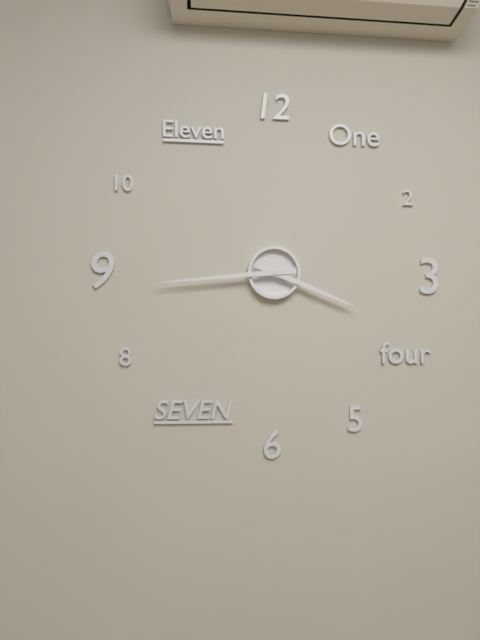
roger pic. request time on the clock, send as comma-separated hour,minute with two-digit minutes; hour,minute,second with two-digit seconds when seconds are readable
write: 3,44
